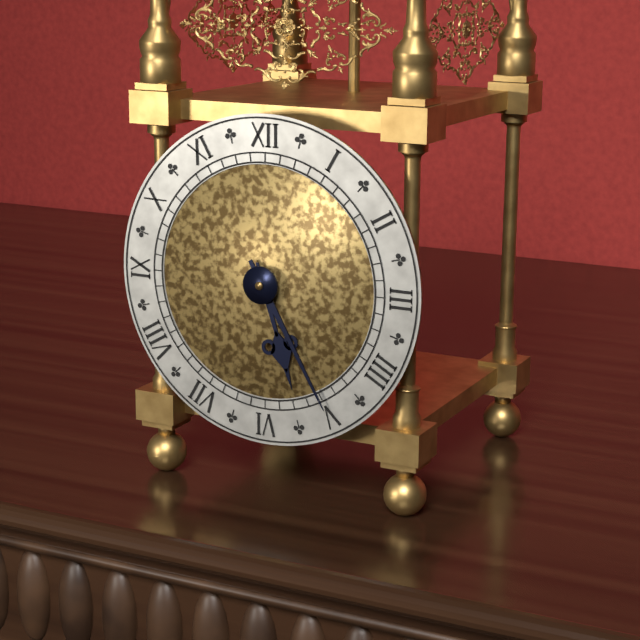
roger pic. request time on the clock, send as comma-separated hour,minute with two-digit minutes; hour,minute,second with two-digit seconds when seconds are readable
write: 5,25
